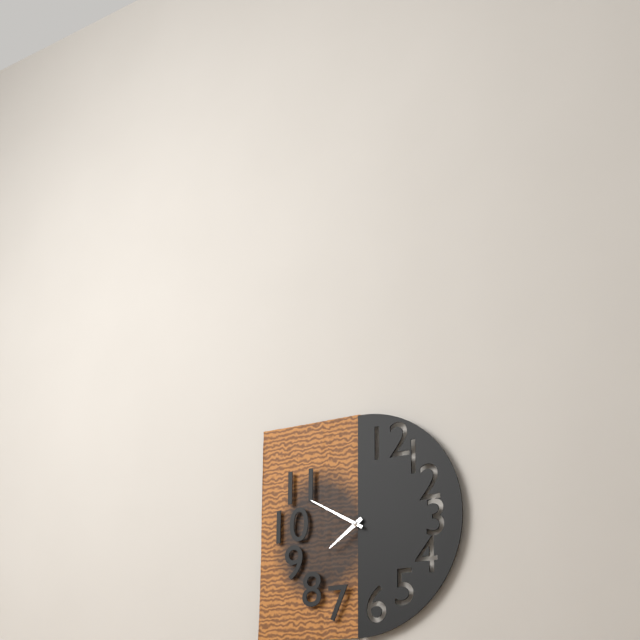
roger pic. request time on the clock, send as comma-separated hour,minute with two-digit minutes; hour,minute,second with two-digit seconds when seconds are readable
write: 7,50
